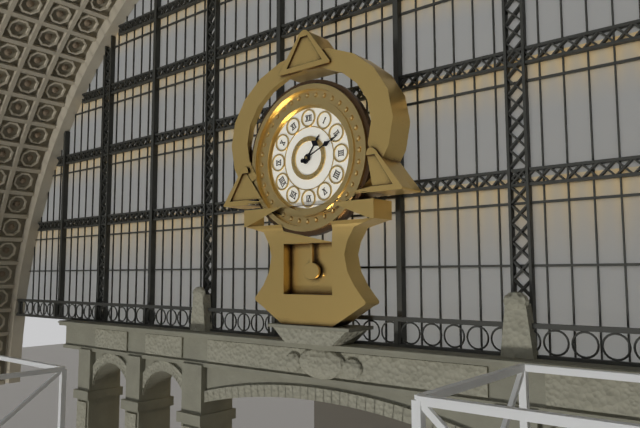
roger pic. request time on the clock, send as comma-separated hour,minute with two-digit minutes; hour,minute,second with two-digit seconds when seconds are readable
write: 1,11
